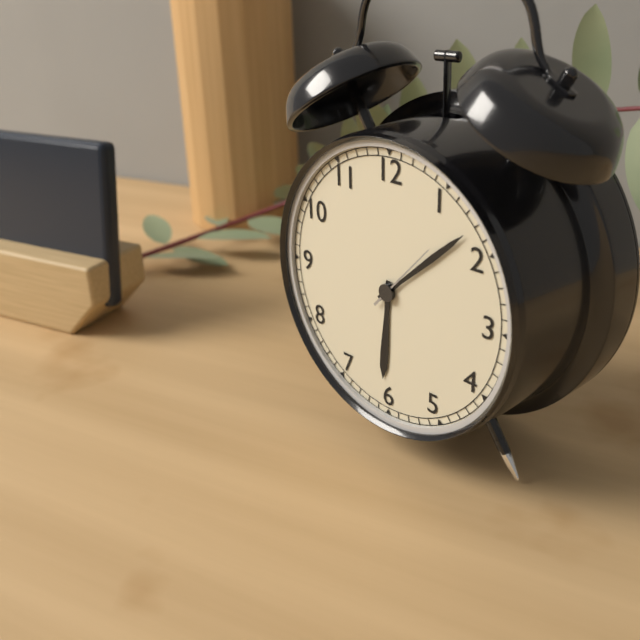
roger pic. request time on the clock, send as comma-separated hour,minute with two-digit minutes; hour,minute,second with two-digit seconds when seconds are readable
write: 6,08,07
